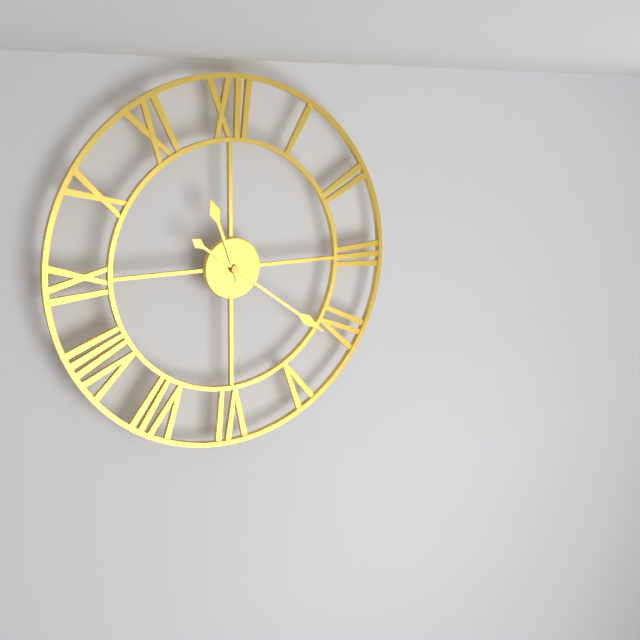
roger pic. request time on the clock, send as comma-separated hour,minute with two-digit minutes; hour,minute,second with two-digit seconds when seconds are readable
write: 11,21
